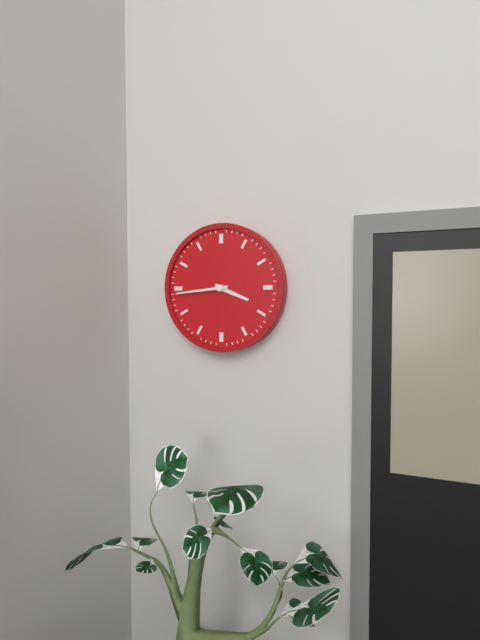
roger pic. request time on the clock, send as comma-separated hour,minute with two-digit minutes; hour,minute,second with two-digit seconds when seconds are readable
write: 3,44
